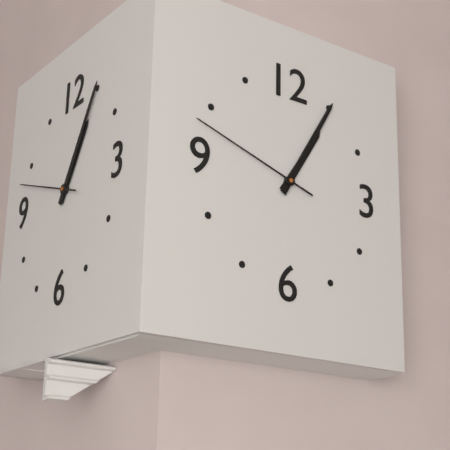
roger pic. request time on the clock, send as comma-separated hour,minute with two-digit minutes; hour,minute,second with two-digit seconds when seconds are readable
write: 1,05,48
